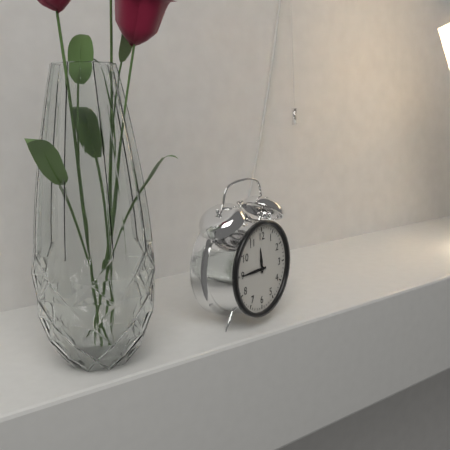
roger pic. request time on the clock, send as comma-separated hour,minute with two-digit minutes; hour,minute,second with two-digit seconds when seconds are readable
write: 11,45
